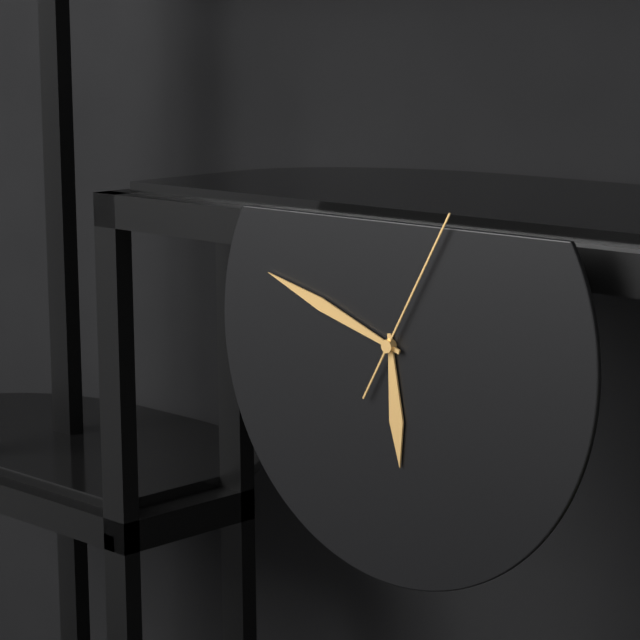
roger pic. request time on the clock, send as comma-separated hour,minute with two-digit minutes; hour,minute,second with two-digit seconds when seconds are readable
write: 5,48,05
